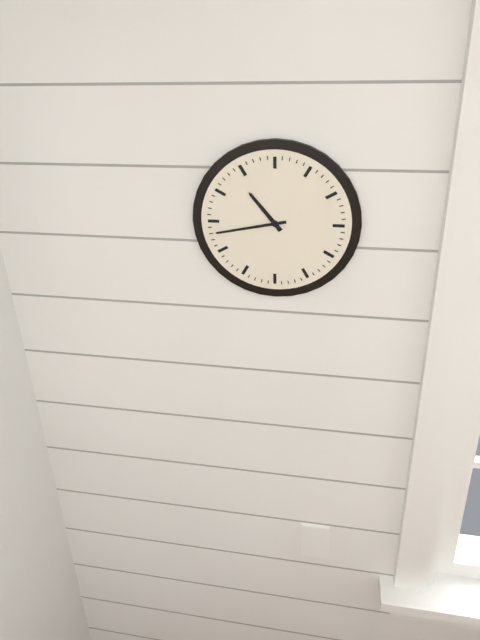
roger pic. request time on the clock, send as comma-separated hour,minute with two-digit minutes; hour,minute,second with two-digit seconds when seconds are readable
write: 10,43
